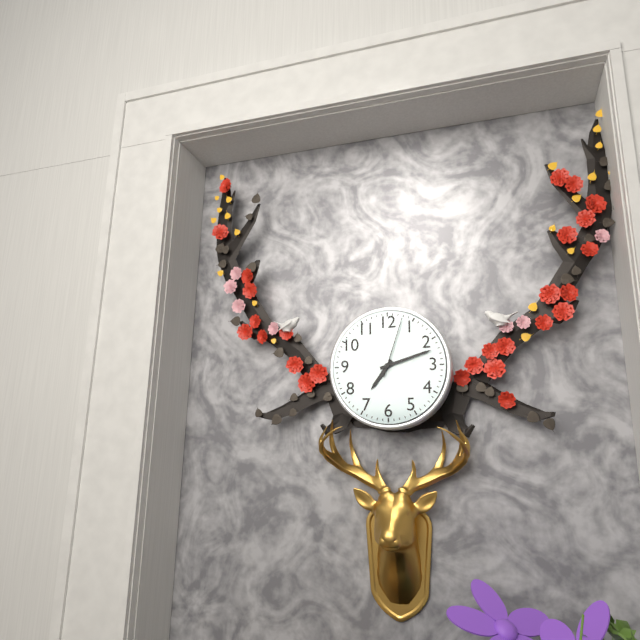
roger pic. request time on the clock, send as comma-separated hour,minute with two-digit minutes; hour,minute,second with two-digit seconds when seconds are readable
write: 7,12,03
